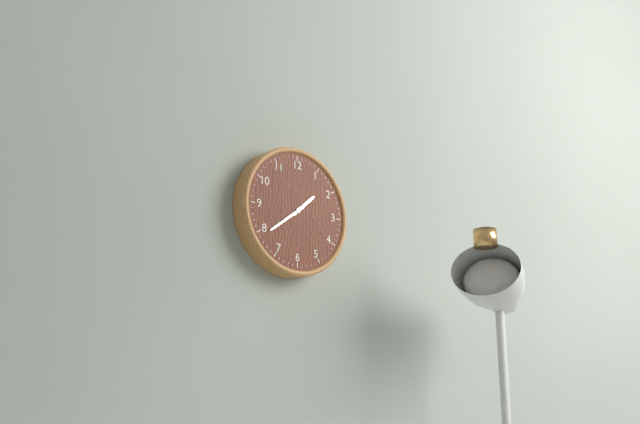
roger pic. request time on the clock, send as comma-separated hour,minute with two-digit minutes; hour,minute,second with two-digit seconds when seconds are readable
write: 1,39
